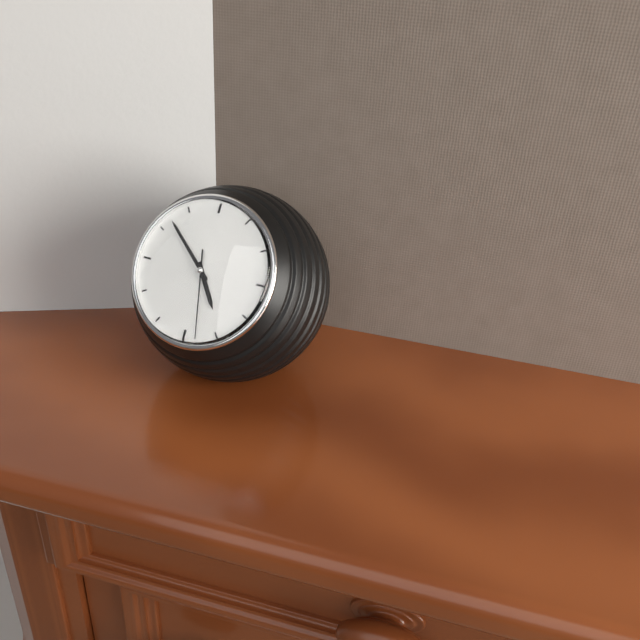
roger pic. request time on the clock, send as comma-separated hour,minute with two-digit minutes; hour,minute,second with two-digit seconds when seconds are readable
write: 4,52,28
